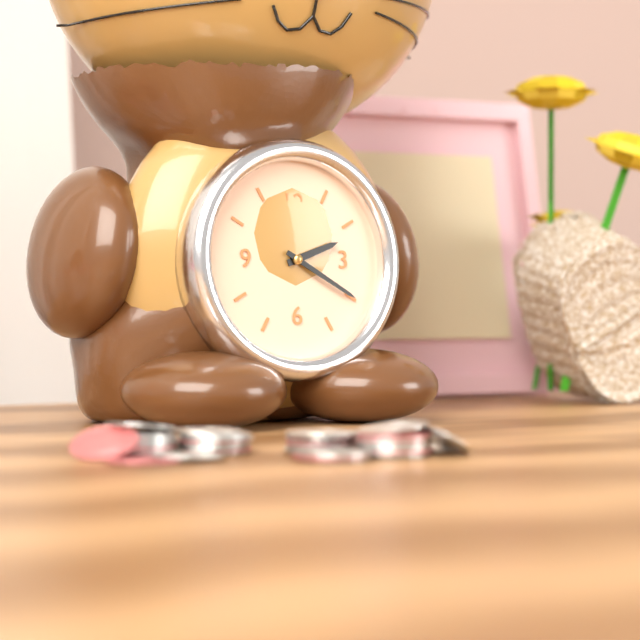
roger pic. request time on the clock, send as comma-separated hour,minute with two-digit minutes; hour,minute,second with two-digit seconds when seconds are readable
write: 2,20
